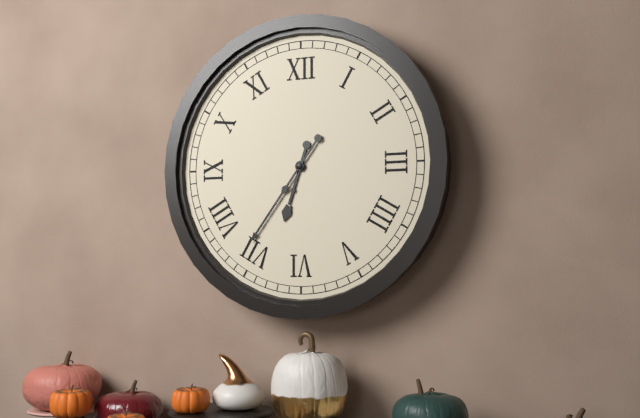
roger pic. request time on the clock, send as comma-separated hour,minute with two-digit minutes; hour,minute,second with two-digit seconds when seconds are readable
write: 6,36
